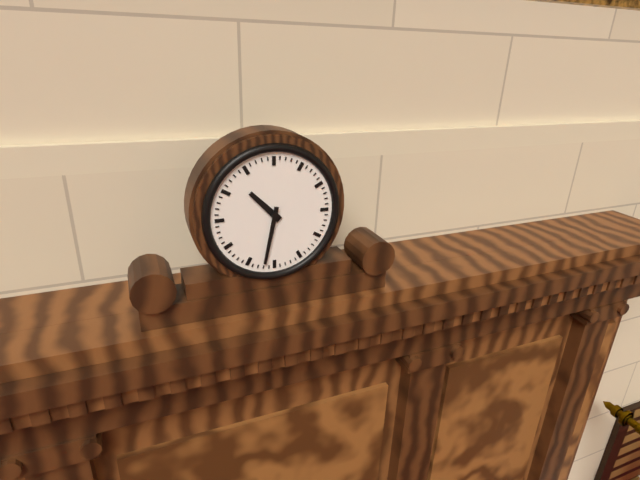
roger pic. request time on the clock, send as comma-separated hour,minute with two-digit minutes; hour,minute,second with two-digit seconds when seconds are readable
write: 10,32
